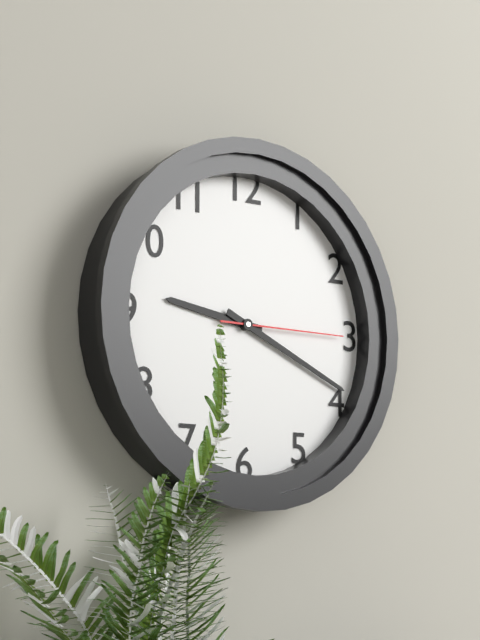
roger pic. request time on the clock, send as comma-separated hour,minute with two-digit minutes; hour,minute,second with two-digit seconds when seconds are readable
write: 9,19,15
